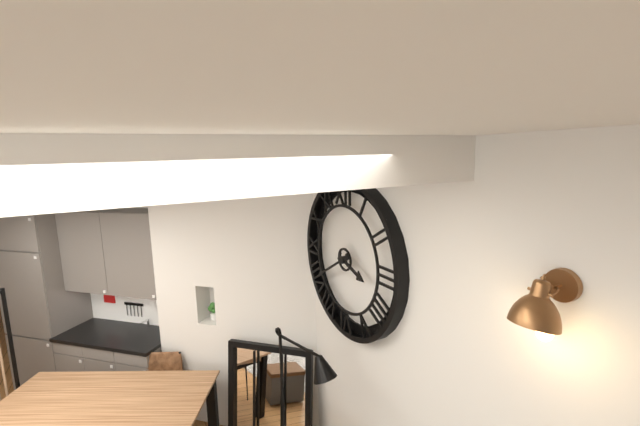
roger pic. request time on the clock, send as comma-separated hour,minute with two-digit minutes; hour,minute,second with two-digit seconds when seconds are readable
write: 3,40
